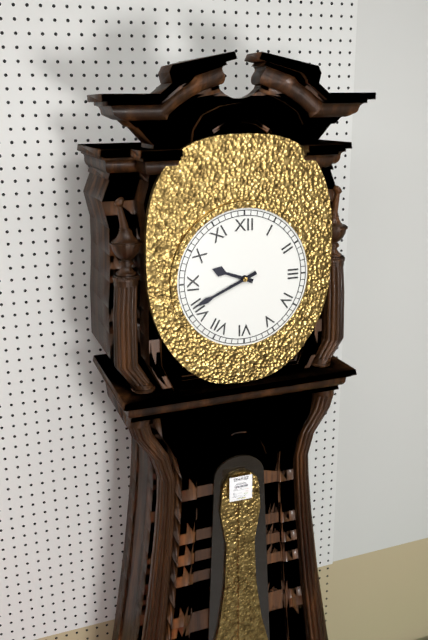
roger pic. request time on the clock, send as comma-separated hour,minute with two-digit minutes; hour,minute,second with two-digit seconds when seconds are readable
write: 9,41
